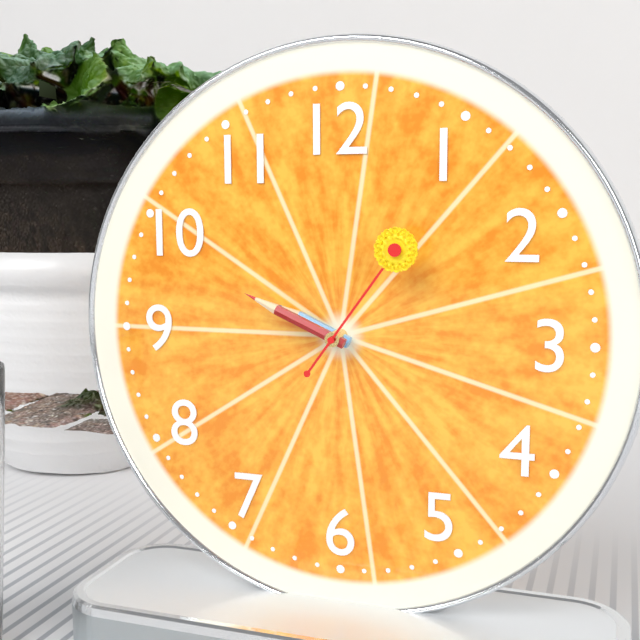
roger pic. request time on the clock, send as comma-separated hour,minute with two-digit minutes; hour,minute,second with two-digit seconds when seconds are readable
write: 9,49,06
